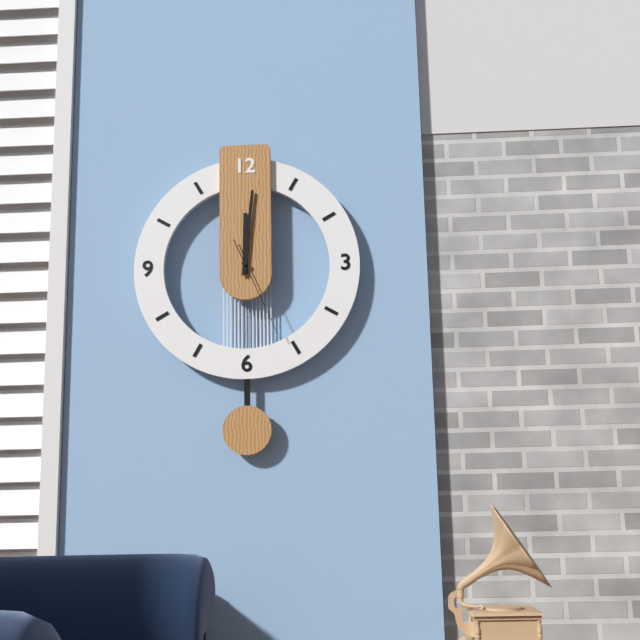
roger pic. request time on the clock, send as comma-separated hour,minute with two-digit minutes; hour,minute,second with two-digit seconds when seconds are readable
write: 12,01,26
